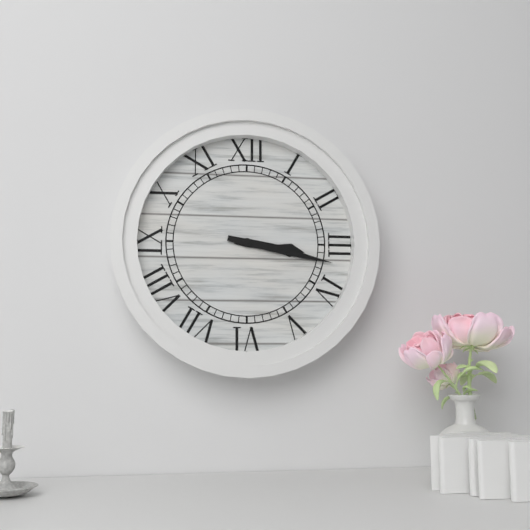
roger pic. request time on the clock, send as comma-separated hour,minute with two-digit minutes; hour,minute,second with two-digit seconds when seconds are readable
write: 3,17
